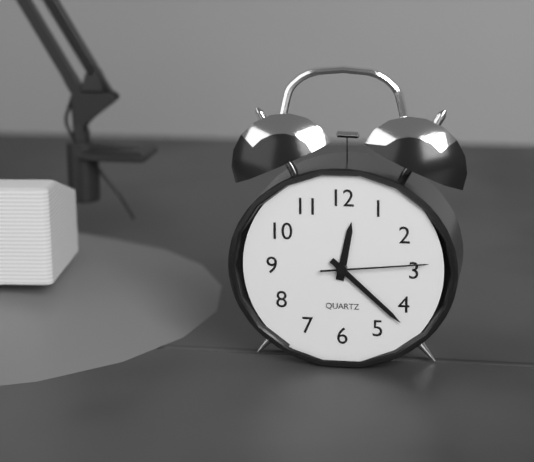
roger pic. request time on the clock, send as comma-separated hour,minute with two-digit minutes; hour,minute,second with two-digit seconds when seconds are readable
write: 12,22,14
